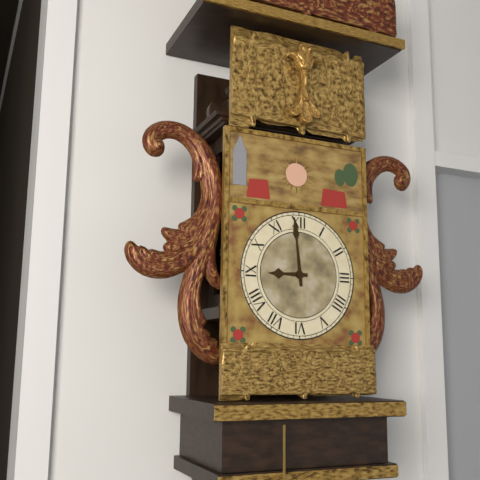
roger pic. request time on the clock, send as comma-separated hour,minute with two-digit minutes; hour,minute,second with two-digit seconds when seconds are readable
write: 8,59
